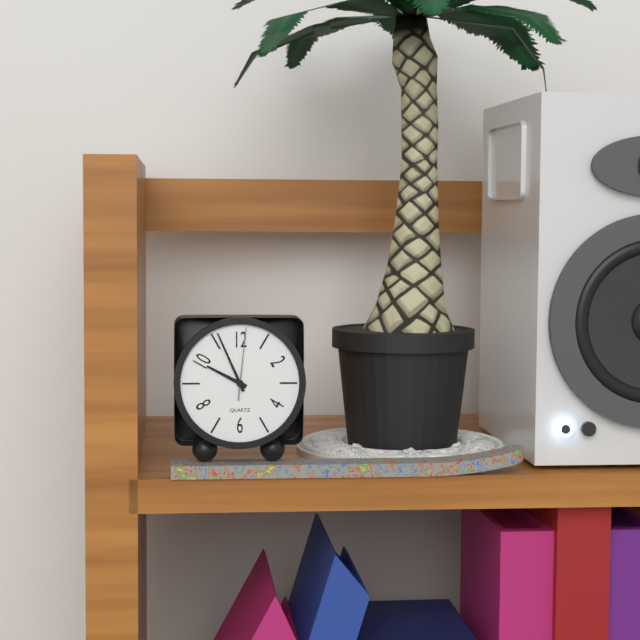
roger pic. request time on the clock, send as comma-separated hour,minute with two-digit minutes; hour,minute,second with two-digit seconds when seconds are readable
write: 9,56,01
